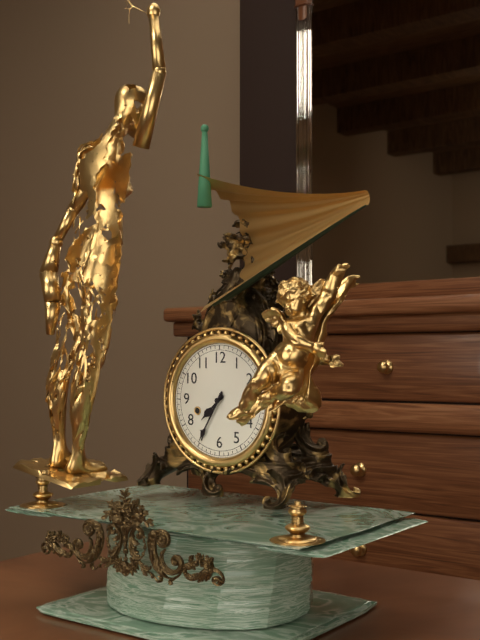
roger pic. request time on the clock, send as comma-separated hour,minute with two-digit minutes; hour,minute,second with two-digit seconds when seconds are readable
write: 7,35
